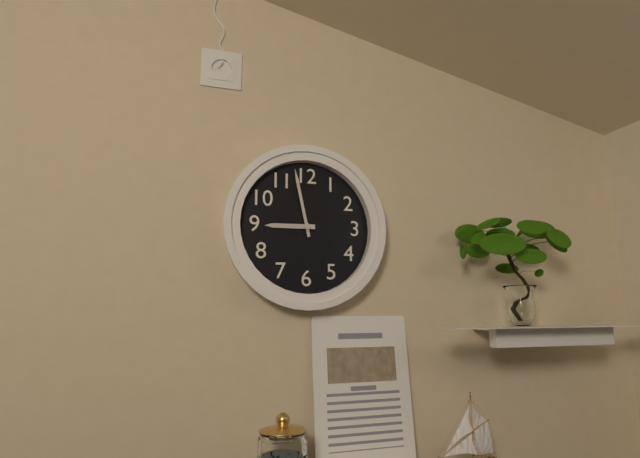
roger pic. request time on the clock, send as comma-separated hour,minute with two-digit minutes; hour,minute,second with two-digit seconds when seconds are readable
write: 8,58
